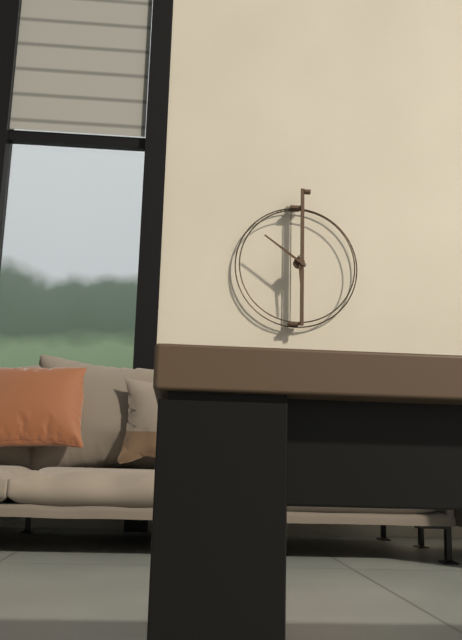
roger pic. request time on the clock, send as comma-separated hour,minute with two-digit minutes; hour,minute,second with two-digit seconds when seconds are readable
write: 5,51
